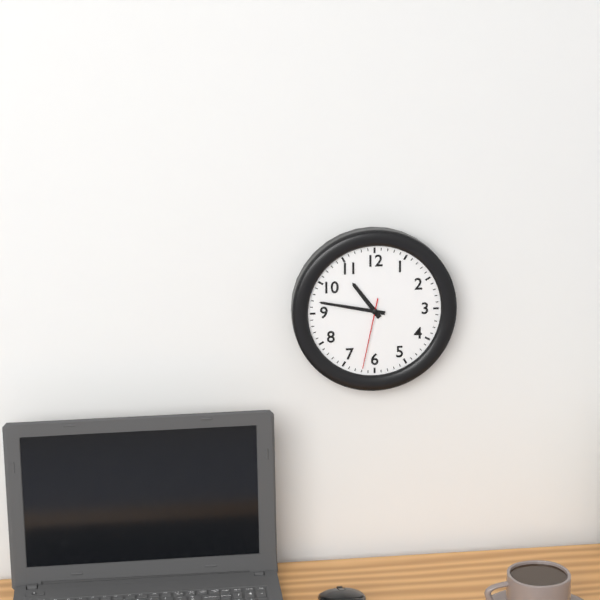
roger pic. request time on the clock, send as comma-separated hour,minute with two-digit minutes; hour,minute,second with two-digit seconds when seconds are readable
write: 10,47,32
